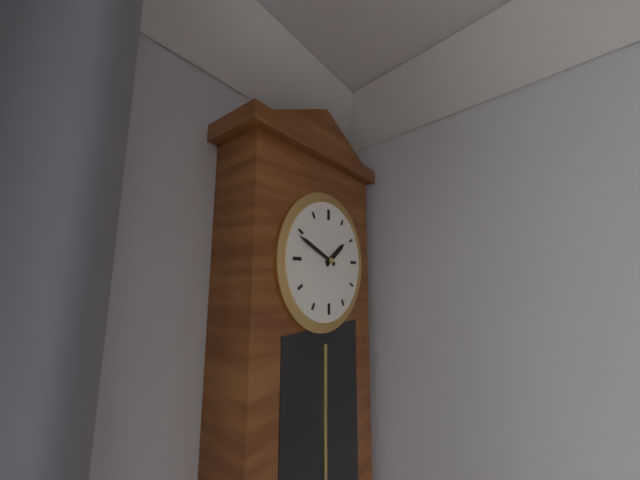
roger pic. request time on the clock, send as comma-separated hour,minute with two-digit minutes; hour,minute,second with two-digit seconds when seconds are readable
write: 1,49
